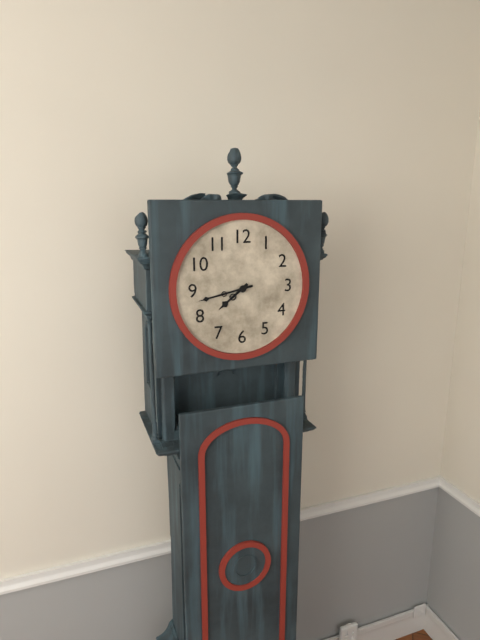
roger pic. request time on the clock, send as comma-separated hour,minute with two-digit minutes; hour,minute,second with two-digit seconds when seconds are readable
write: 7,43
